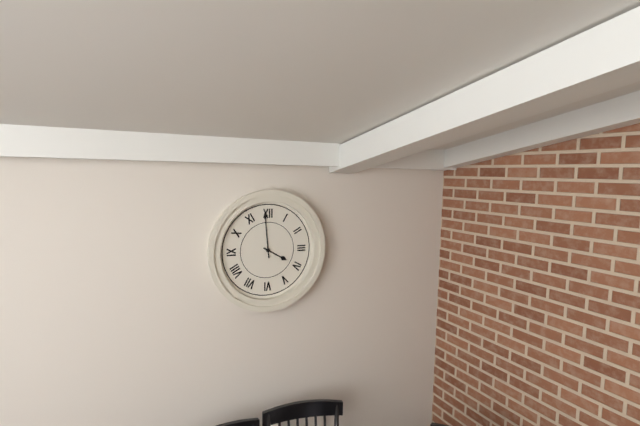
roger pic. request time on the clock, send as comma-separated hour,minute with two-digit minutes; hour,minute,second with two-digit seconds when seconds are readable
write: 3,59
